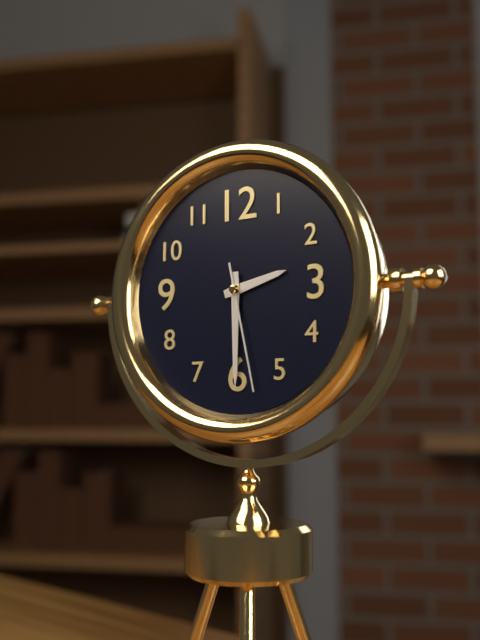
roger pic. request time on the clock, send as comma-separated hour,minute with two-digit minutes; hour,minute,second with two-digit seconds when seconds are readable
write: 2,30,28
